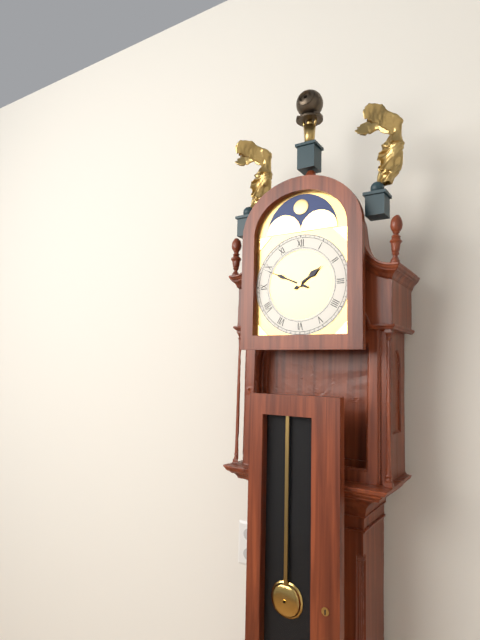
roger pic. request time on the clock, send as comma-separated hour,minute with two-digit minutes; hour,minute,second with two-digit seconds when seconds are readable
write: 1,49
